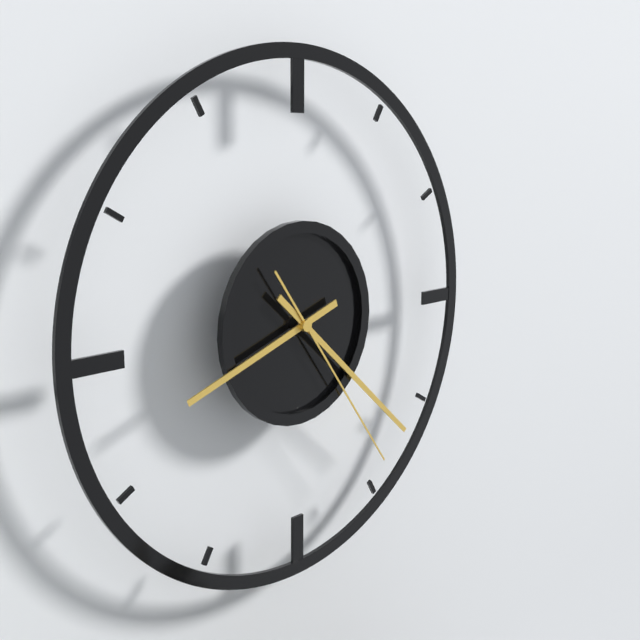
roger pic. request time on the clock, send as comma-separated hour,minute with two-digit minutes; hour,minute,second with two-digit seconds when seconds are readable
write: 8,22,24
